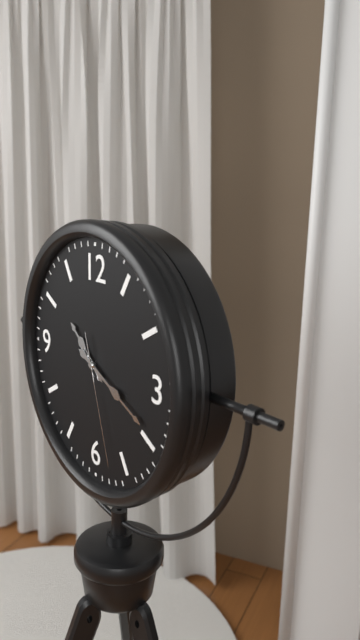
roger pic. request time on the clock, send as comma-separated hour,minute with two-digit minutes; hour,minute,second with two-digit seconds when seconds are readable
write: 10,19,27
